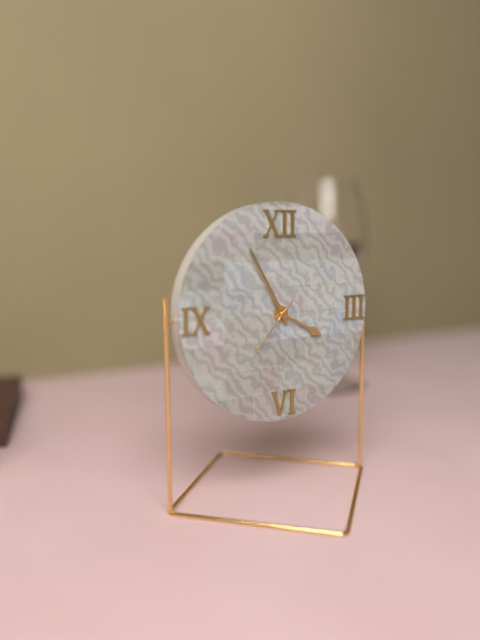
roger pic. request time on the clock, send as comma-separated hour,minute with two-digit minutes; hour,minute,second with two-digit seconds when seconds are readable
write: 3,55,37
